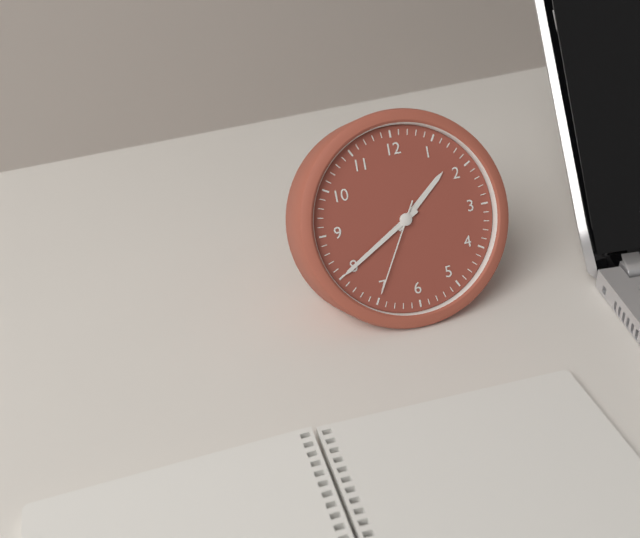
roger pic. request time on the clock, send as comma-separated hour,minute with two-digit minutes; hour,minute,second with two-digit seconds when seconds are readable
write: 1,40,35
